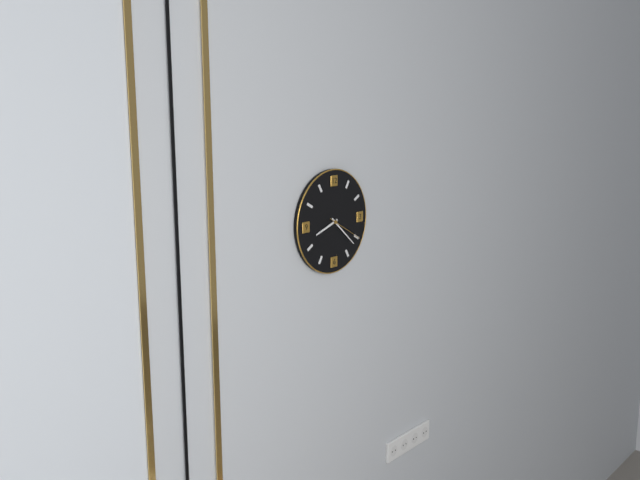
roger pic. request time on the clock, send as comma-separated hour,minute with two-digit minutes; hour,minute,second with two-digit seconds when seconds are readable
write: 8,22
